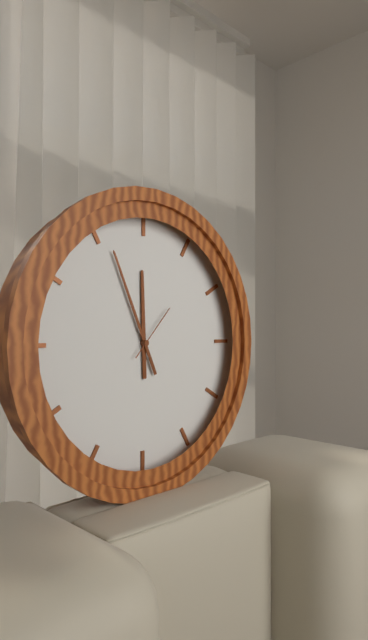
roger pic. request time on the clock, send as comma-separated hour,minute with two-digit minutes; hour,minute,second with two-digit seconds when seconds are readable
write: 11,56,07
